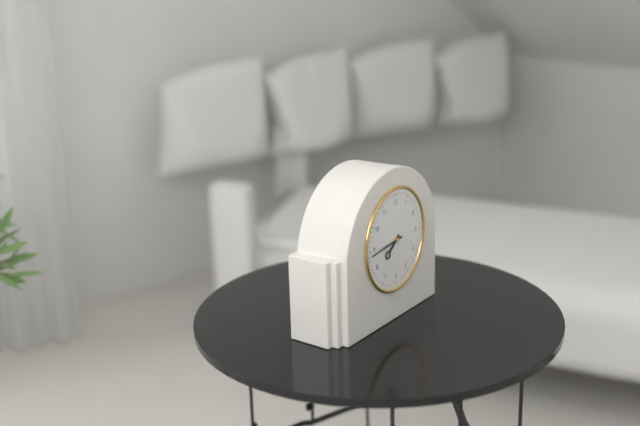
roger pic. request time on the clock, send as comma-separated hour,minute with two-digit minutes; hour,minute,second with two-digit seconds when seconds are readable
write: 7,44
